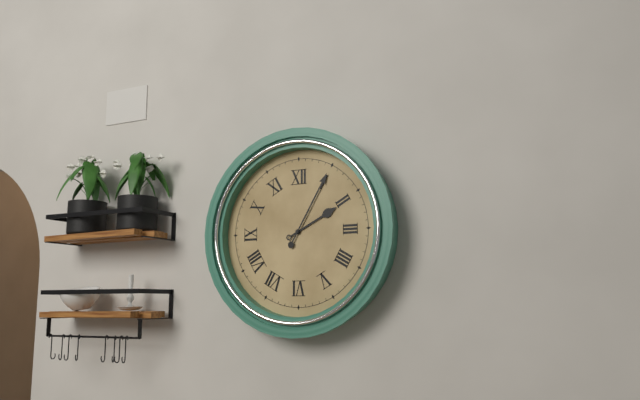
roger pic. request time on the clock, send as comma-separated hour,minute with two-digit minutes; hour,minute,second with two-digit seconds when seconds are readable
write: 2,05
